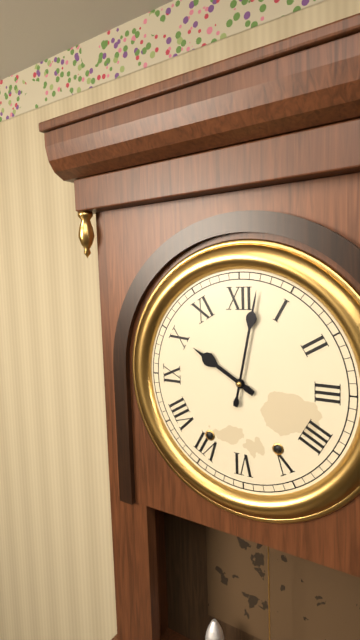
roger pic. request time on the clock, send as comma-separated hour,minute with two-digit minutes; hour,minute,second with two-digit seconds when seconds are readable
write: 10,02
